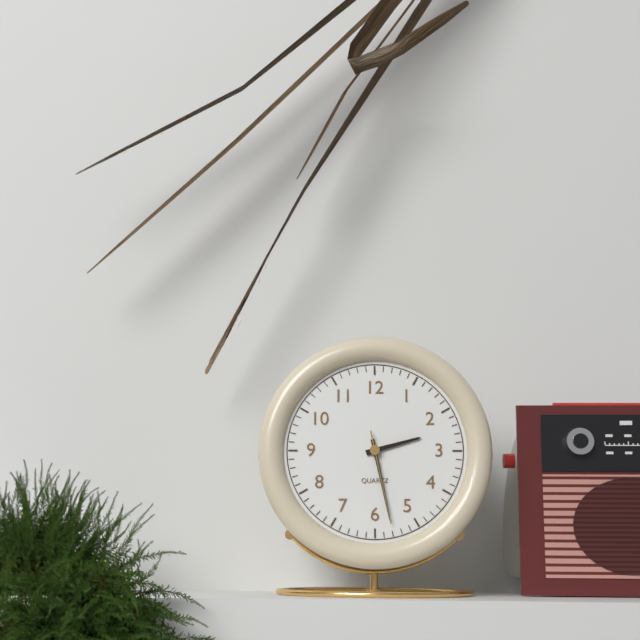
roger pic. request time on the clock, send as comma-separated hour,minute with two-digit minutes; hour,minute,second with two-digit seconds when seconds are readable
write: 2,28,28
